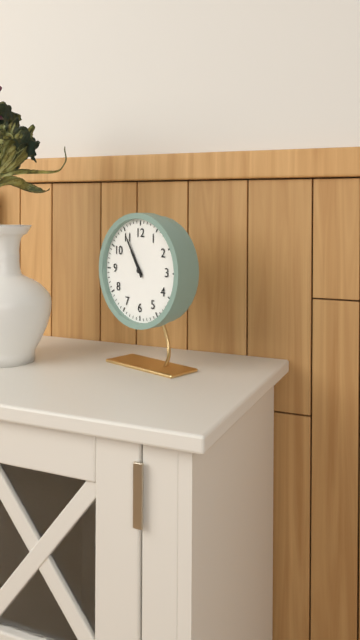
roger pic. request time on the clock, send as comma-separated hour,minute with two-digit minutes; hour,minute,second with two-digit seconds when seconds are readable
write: 10,55
